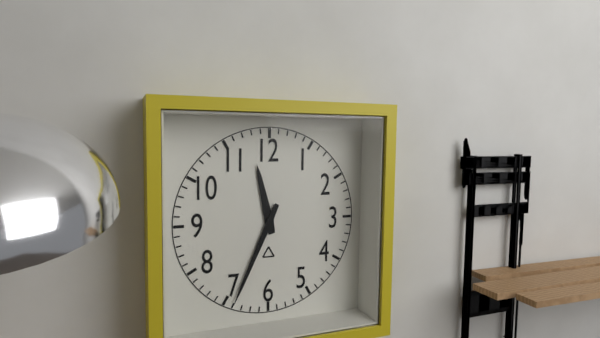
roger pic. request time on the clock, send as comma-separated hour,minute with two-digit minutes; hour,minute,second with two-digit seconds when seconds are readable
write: 11,34
